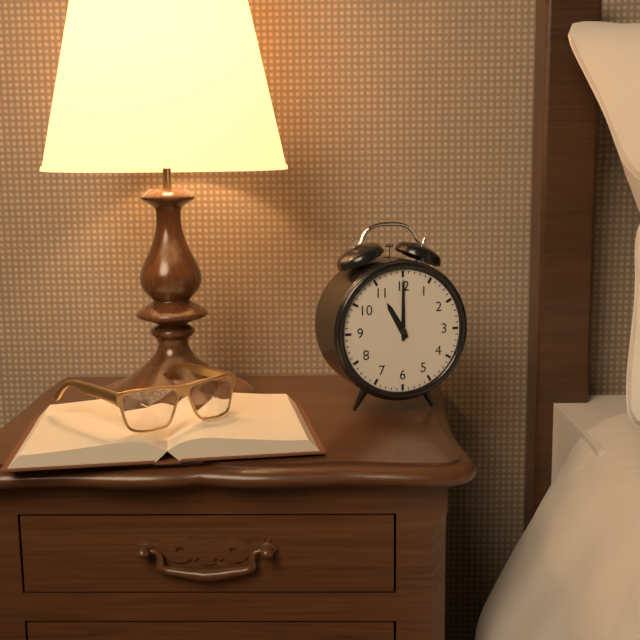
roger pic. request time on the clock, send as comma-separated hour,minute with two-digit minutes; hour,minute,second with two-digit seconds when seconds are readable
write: 11,00
